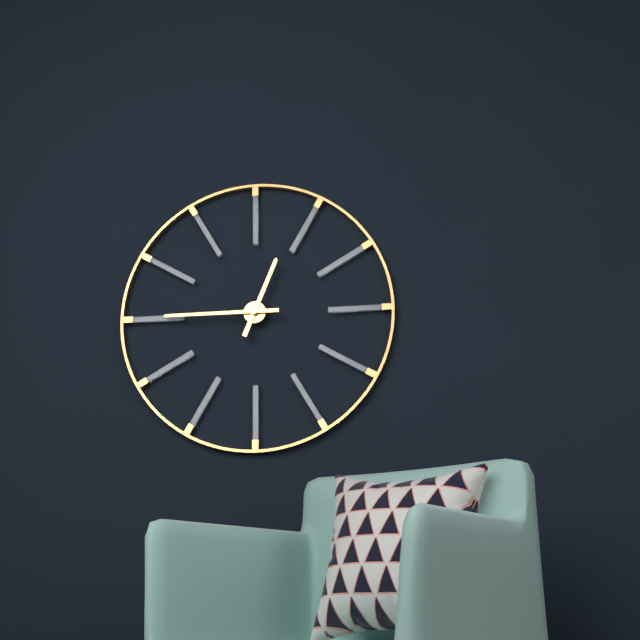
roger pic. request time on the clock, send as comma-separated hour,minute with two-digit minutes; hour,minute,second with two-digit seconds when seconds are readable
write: 12,45
